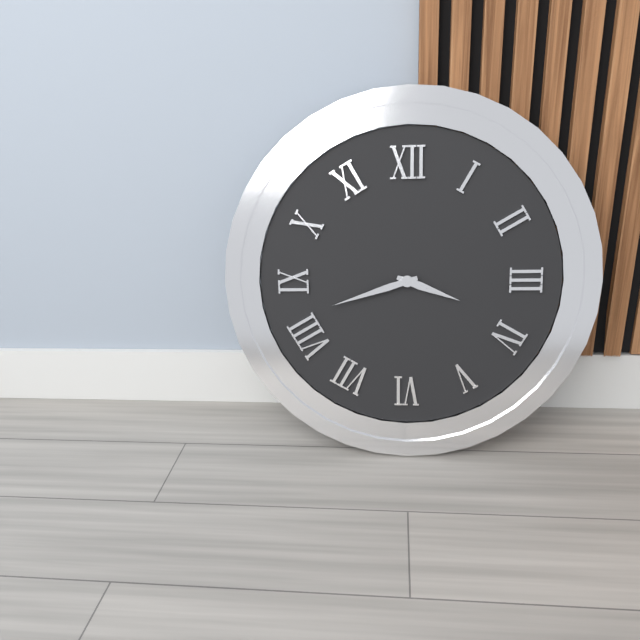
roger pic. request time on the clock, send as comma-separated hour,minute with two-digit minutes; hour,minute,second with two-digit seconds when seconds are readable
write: 3,42
